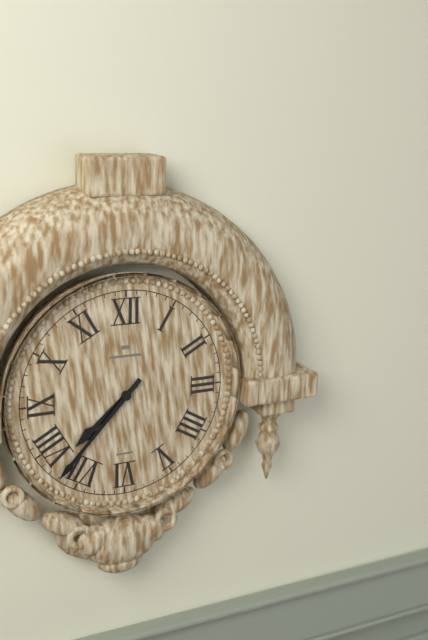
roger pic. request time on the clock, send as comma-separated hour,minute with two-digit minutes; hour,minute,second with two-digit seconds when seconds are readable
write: 7,37
